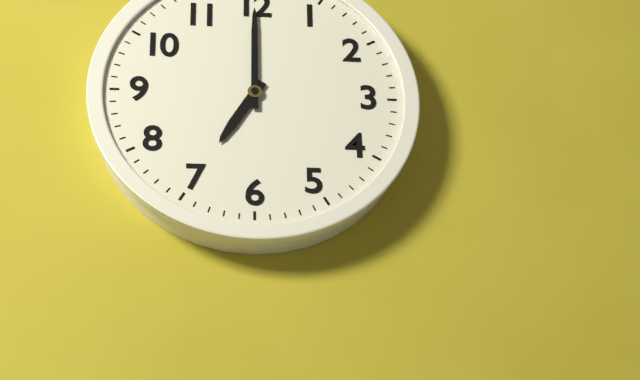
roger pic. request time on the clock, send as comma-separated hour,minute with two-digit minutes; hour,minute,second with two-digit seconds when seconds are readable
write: 7,00
